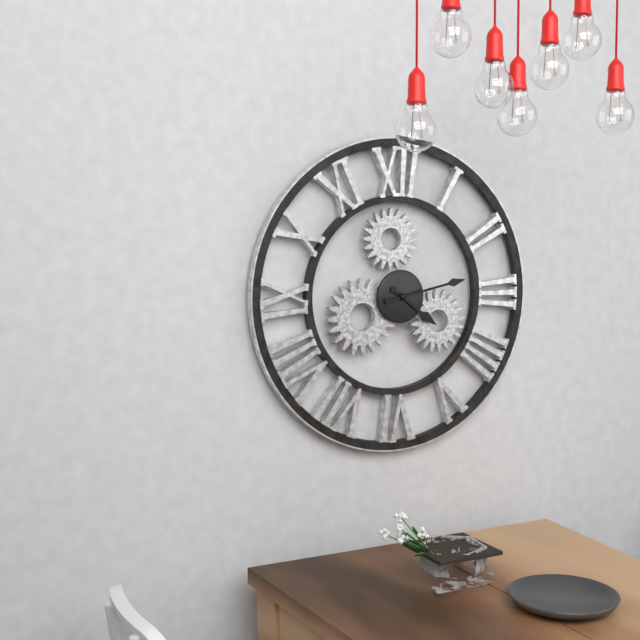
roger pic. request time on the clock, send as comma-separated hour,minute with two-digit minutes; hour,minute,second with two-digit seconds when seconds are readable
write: 4,13
